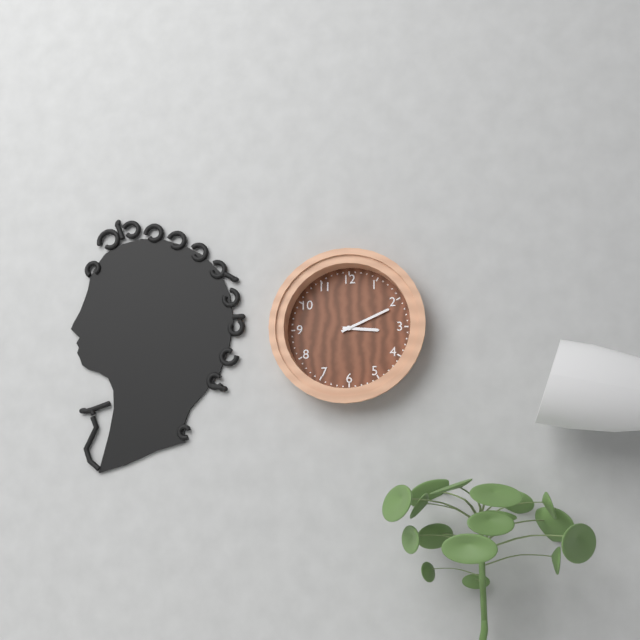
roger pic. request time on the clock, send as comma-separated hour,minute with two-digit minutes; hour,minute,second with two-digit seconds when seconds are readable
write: 3,11
